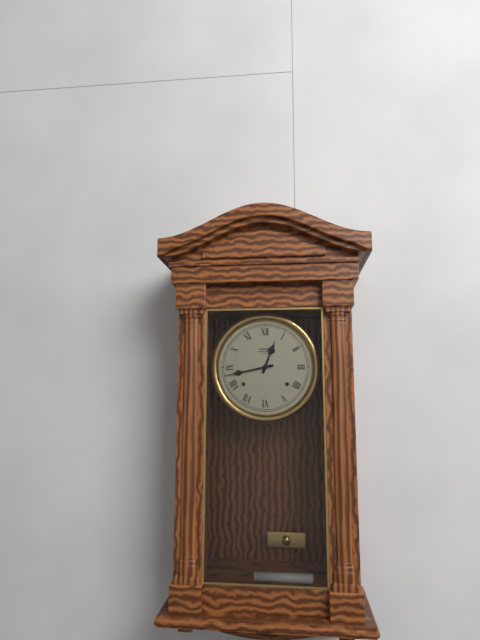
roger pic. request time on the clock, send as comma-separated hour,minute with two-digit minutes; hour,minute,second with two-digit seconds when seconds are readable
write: 12,43
